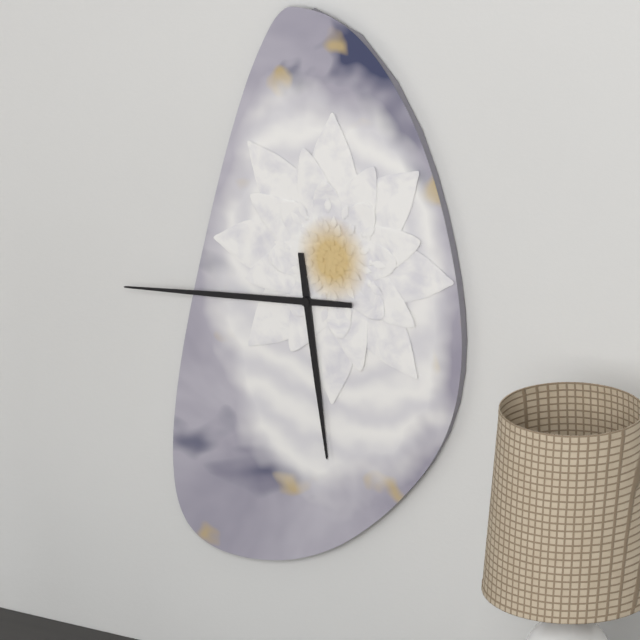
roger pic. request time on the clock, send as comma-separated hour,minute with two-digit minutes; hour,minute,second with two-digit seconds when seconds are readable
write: 5,44
